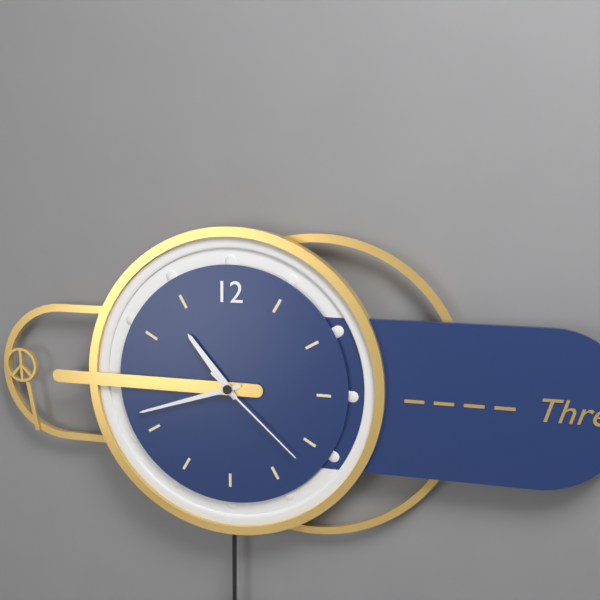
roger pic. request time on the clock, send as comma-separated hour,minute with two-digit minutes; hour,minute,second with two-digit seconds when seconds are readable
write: 10,42,22
